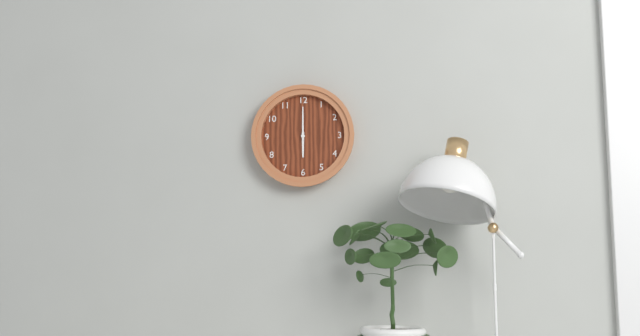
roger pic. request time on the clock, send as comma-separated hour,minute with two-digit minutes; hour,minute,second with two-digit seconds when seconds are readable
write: 6,00
